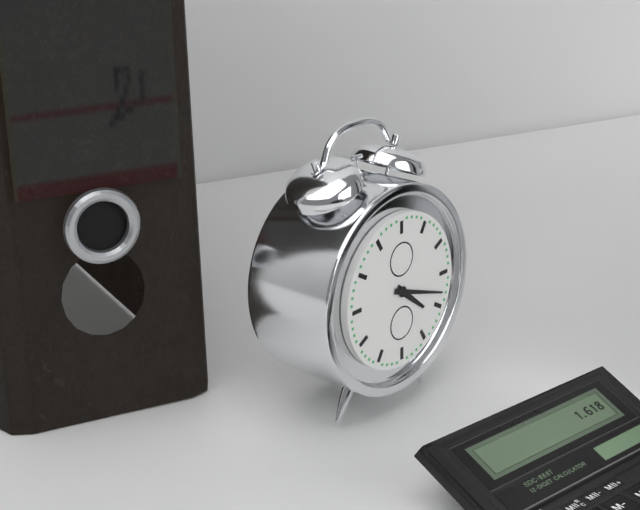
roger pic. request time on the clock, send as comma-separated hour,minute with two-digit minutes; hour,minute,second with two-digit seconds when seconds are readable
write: 4,18
